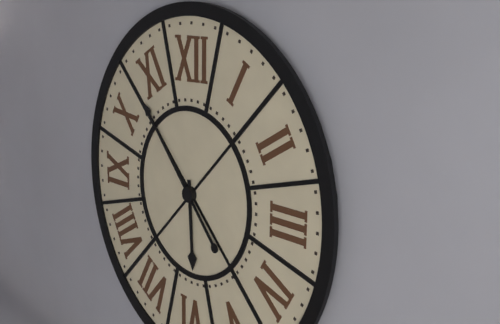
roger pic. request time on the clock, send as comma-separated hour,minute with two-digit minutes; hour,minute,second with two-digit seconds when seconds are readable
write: 5,53
